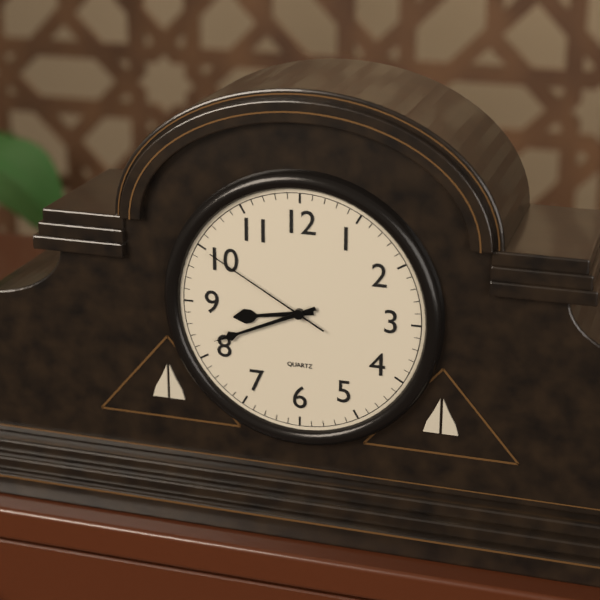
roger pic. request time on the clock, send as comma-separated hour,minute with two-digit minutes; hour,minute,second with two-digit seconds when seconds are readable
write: 8,41,50
